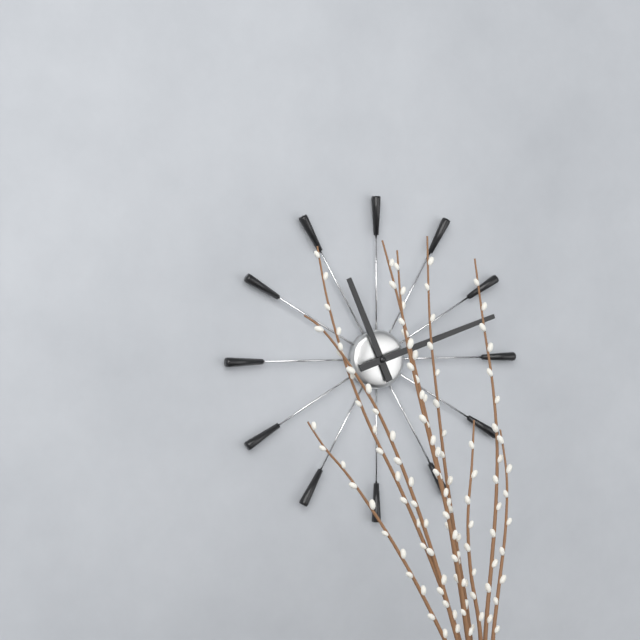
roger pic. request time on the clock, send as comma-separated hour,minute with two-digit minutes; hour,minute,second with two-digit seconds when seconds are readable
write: 11,12
